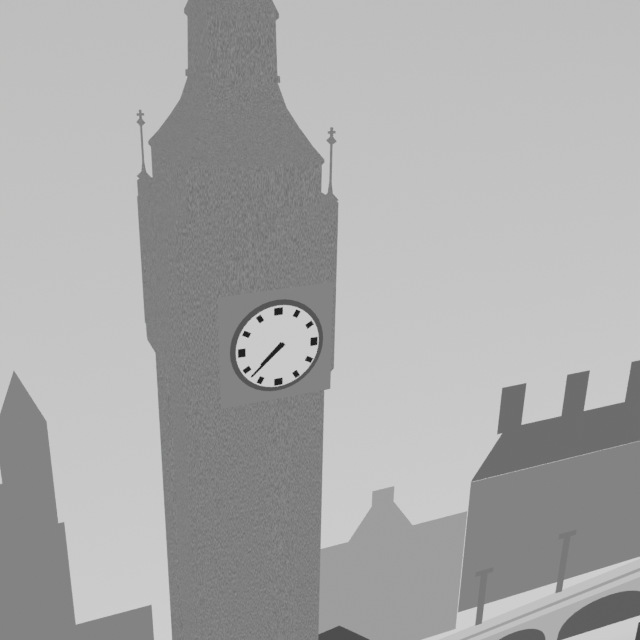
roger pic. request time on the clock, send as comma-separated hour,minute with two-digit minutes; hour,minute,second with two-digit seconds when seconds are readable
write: 7,38
